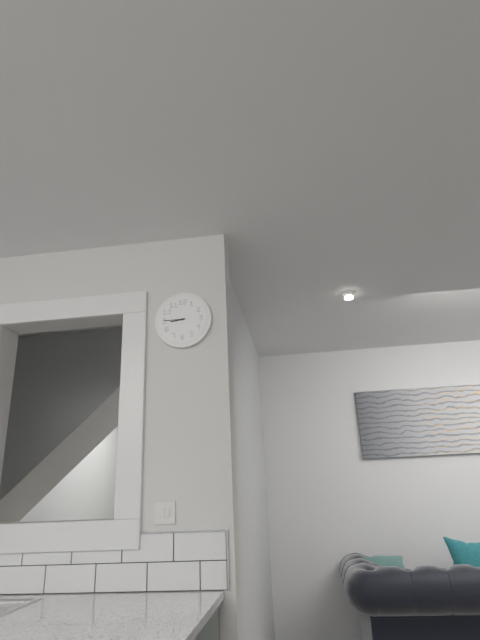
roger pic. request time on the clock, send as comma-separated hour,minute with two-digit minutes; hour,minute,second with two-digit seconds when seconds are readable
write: 8,45
